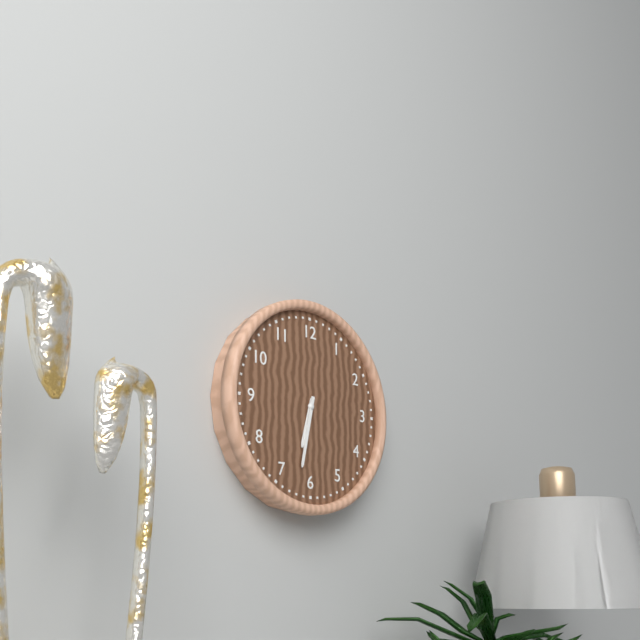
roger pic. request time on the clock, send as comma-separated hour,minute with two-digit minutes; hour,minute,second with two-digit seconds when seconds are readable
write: 6,32
